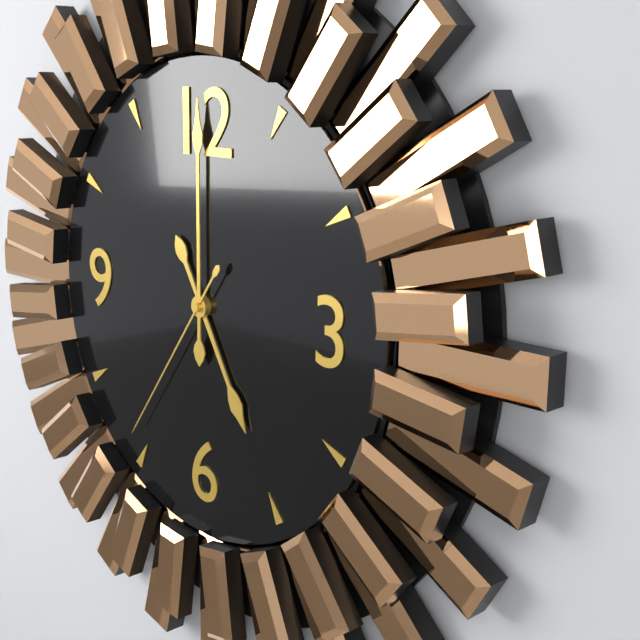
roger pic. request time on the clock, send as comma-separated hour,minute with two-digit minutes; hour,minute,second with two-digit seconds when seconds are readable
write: 5,00,36
